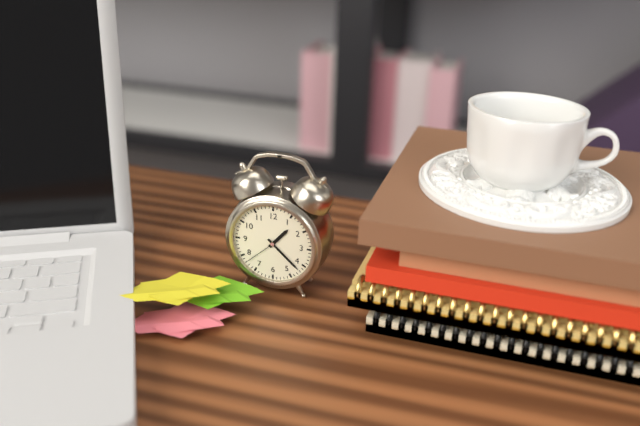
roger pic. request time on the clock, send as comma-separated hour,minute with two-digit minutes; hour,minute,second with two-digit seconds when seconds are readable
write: 1,22
